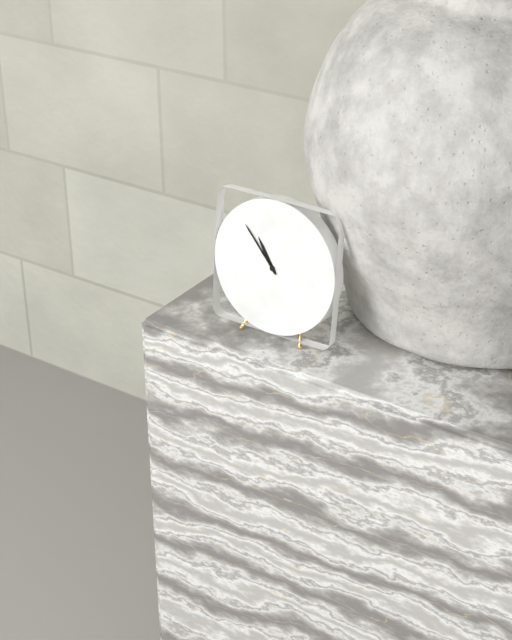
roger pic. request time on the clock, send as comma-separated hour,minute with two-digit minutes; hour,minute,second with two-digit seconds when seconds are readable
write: 10,53
